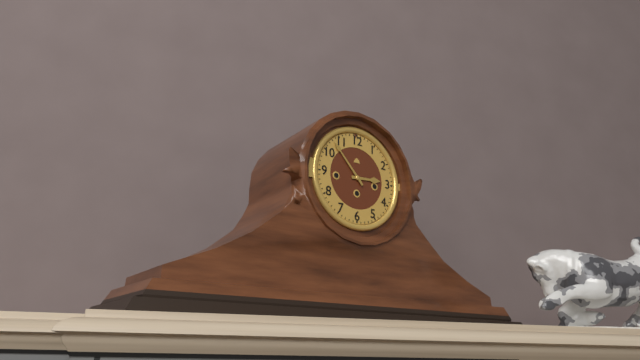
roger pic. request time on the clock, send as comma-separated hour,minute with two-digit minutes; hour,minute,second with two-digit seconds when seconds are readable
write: 2,53
